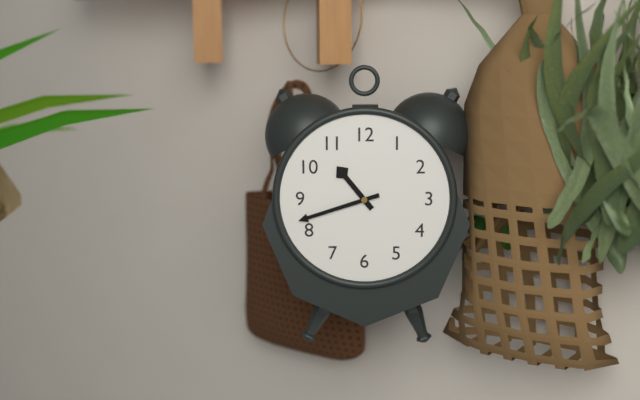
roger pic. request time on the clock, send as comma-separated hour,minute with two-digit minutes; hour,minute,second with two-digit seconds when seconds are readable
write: 10,42
